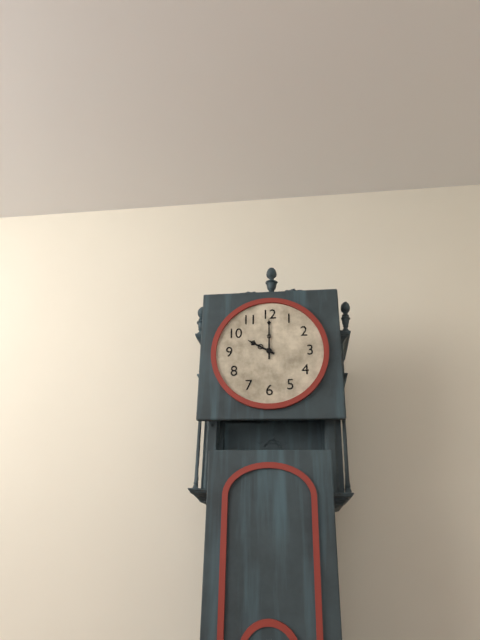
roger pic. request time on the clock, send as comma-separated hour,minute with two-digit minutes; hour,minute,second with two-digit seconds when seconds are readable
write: 10,00
